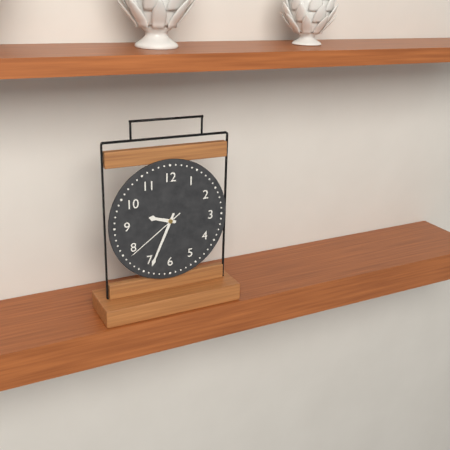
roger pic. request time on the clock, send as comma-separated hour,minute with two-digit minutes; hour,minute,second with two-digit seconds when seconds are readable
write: 9,34,39
